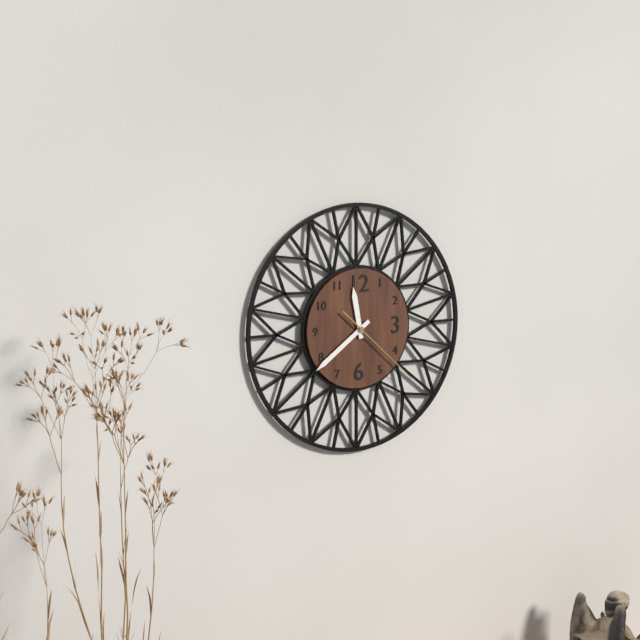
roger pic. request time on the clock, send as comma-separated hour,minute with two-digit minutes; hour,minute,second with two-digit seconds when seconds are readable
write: 11,39,22
